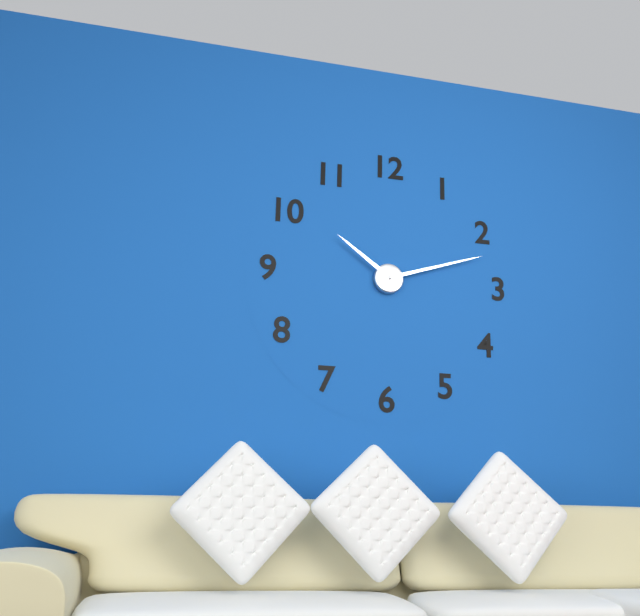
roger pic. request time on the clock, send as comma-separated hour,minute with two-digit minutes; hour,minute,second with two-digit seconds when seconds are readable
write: 10,12
